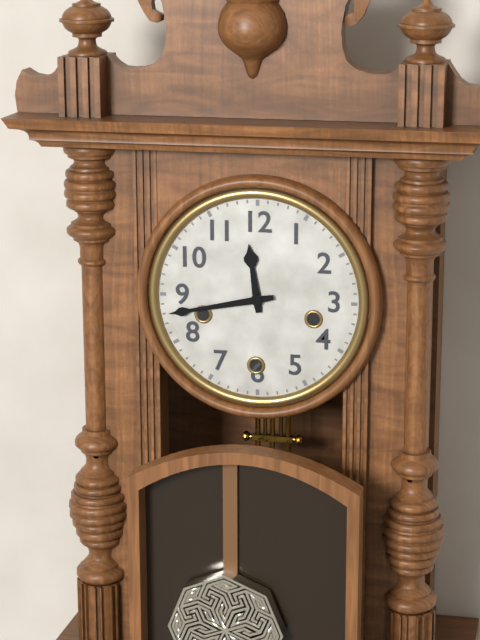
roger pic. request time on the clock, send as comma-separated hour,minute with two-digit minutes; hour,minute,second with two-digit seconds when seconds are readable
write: 11,43
